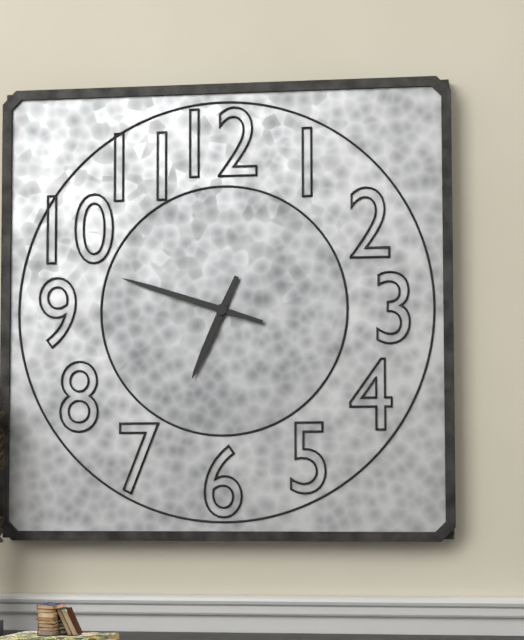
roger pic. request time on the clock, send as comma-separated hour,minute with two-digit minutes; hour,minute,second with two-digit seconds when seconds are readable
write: 6,48
